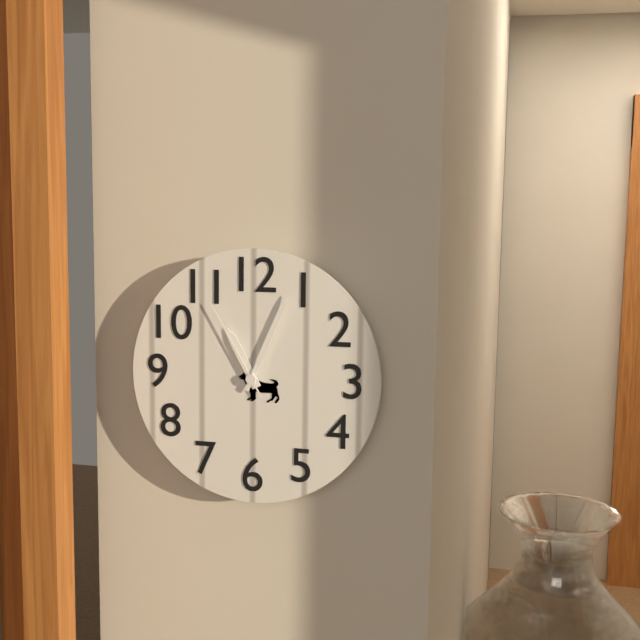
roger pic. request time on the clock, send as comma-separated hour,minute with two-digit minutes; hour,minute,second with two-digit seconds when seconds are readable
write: 11,04,55
